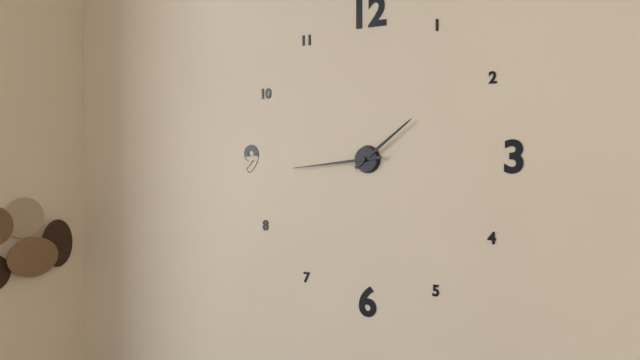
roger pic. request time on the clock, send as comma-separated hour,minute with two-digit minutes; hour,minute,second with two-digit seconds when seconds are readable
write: 1,44
